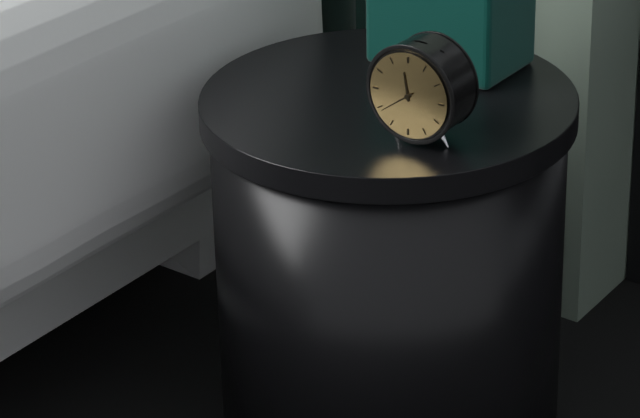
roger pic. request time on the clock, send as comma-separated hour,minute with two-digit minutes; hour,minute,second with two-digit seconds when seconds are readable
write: 11,39
